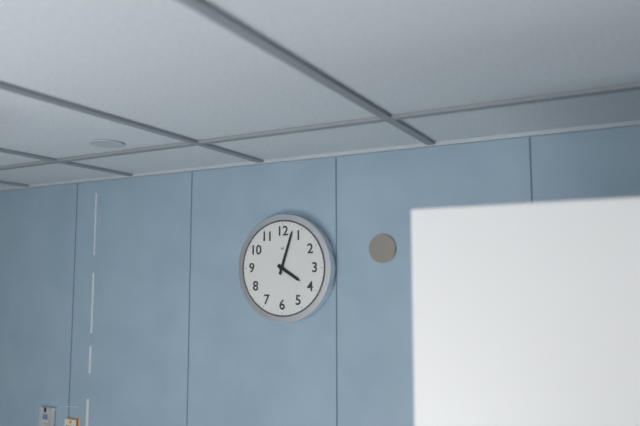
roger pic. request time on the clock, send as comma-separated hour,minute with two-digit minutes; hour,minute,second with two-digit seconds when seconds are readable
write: 4,03
